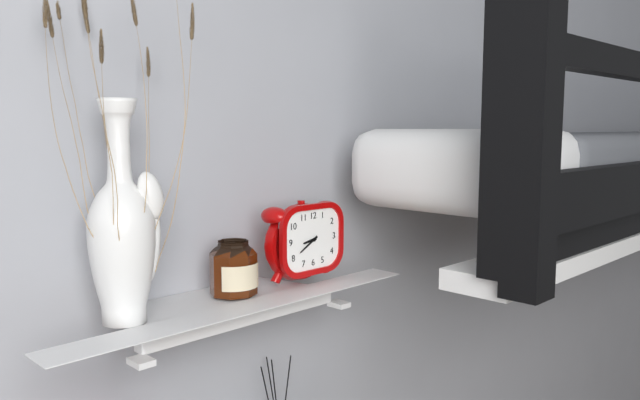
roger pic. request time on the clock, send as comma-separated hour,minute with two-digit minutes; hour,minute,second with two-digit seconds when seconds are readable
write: 8,40
